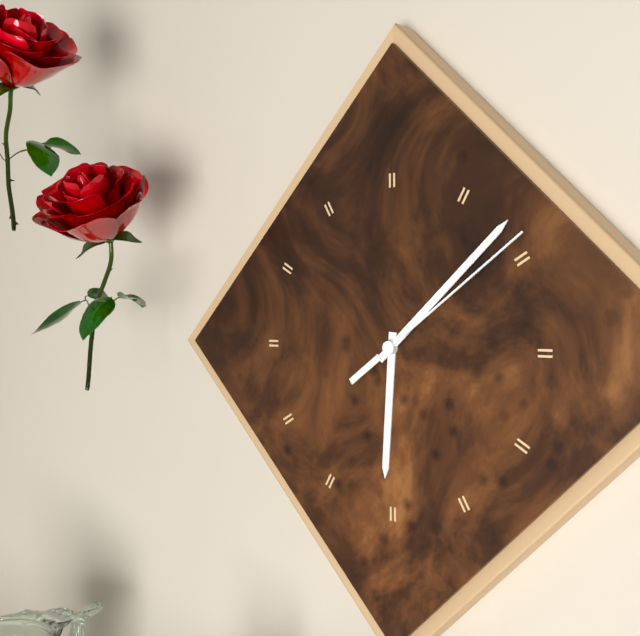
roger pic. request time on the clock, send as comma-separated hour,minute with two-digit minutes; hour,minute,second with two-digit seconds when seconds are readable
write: 6,08,09
